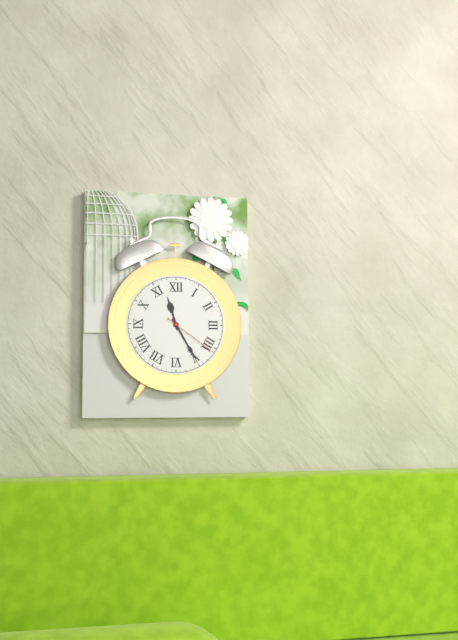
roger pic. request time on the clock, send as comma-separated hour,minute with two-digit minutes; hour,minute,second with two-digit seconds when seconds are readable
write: 11,25,21
